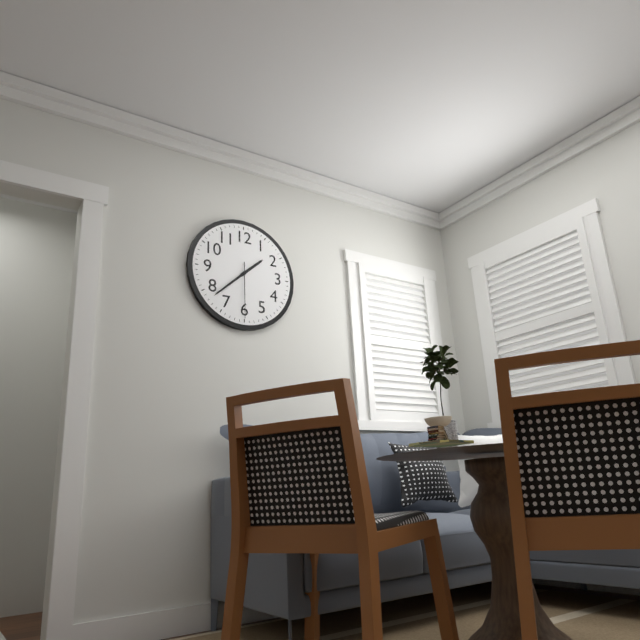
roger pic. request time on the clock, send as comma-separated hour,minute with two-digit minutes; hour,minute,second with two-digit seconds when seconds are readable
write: 1,38,30
